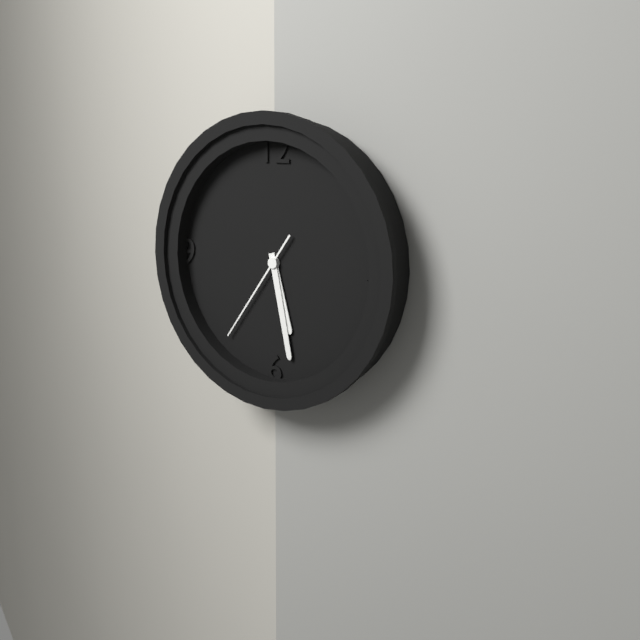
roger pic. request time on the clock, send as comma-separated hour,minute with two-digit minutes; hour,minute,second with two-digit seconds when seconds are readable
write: 5,28,36
